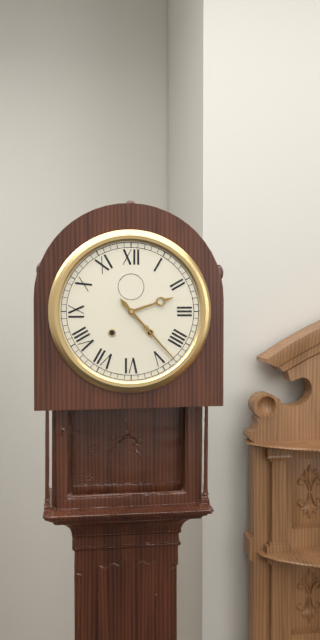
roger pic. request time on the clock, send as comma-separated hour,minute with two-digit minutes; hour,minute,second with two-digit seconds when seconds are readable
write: 2,23
